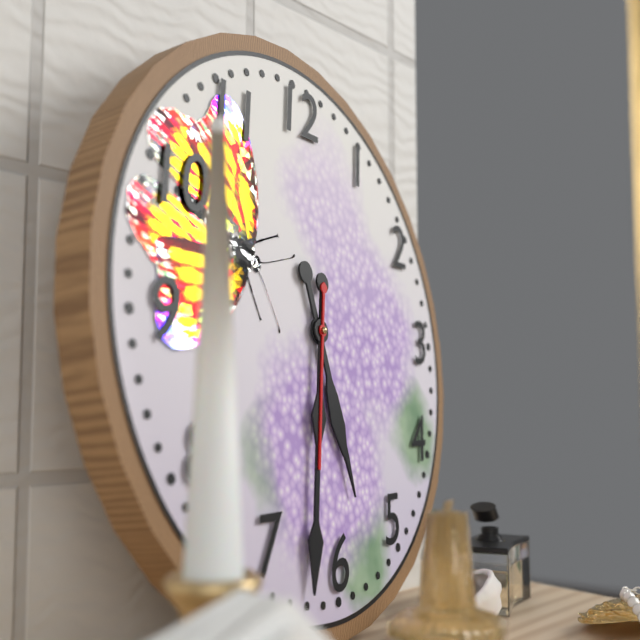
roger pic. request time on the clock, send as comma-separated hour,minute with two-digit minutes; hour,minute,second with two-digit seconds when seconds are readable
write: 5,32,32
